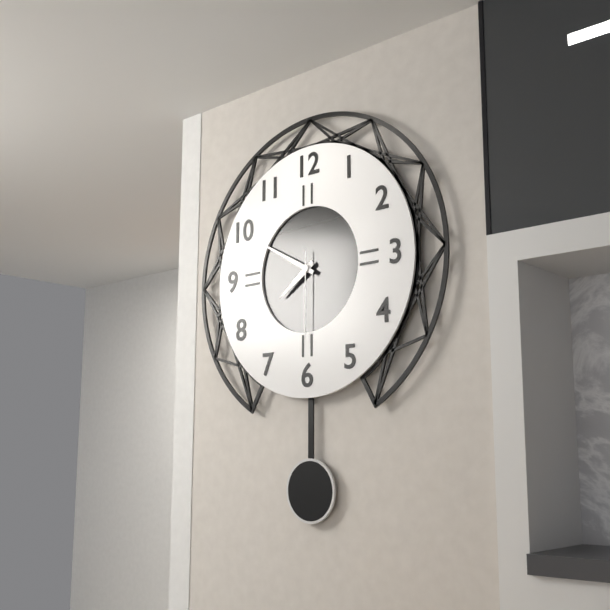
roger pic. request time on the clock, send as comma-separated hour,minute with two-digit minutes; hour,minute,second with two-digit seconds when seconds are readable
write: 7,50,30
